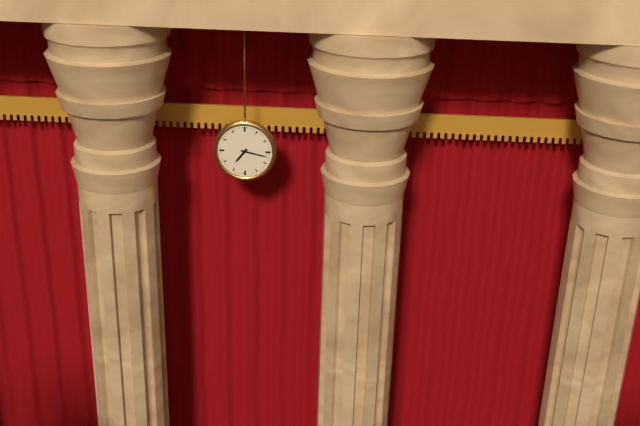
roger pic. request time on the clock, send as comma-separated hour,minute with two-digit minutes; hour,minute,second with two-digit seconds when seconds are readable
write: 7,17
